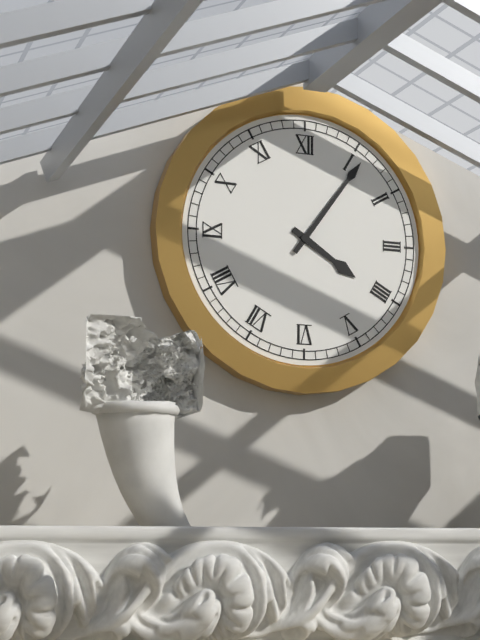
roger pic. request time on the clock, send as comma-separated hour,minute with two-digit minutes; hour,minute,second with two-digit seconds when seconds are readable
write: 4,06
